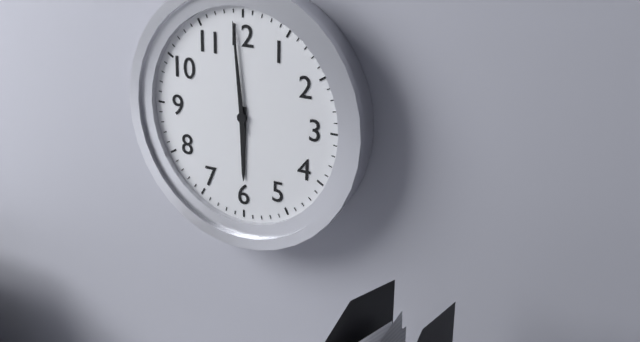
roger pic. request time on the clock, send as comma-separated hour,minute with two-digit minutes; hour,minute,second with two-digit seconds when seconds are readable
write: 5,59
